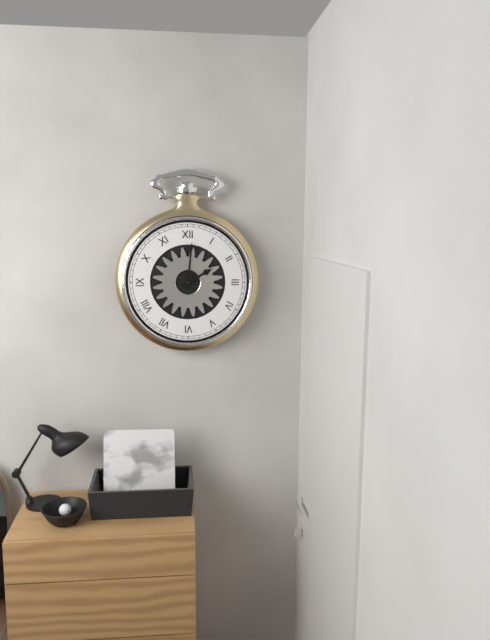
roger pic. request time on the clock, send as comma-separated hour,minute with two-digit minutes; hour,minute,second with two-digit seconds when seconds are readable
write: 2,01
